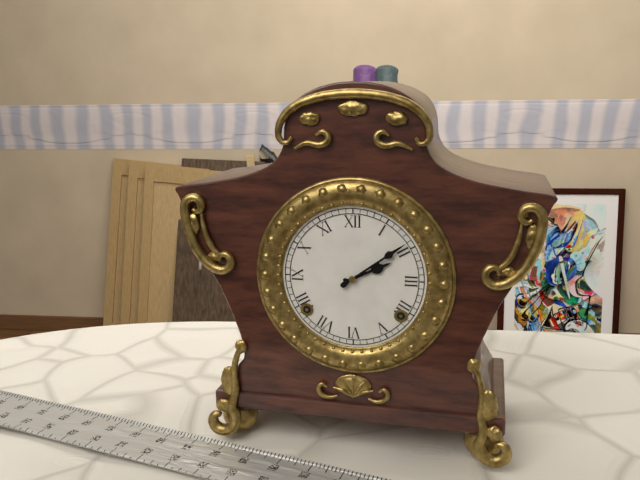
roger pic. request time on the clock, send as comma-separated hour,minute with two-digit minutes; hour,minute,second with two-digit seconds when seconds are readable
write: 2,09
